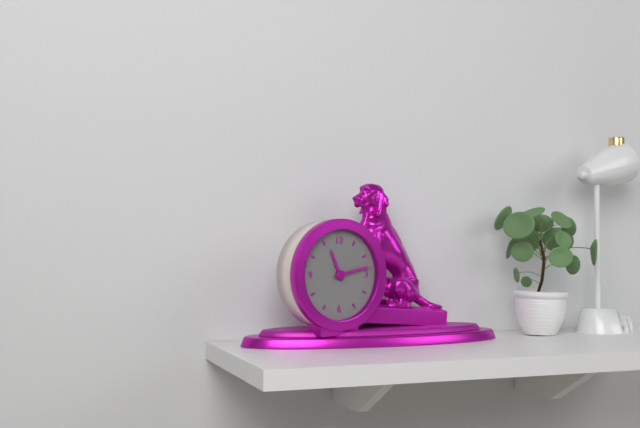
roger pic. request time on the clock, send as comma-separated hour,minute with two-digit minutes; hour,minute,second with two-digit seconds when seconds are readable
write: 11,13
